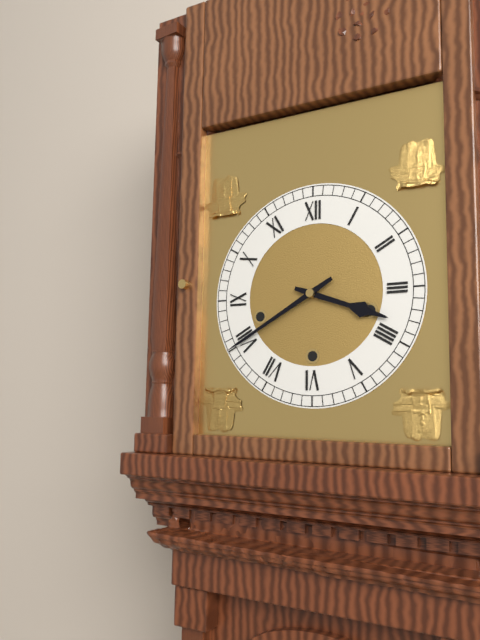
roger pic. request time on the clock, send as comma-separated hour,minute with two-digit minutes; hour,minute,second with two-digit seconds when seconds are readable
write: 3,40
